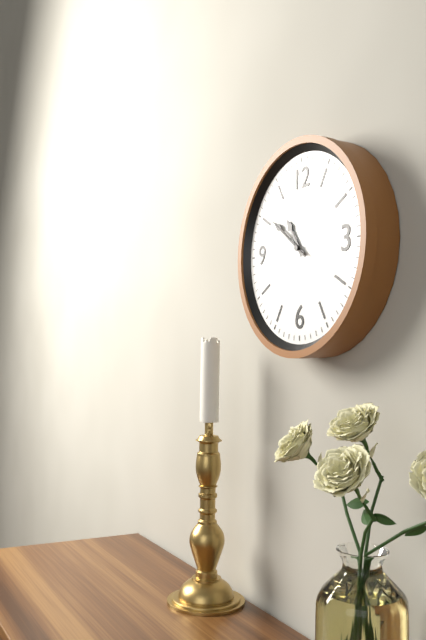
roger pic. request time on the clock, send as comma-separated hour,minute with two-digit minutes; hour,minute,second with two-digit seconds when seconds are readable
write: 10,51,51
